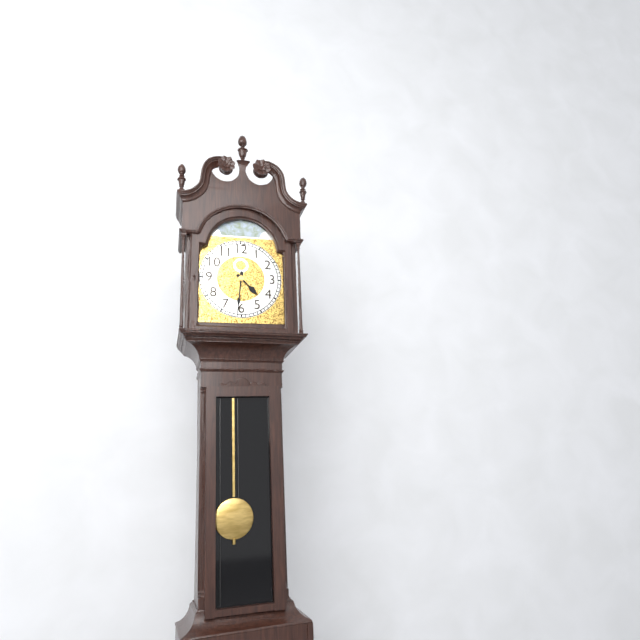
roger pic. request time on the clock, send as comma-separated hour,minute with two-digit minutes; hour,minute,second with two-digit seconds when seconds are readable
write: 4,31
